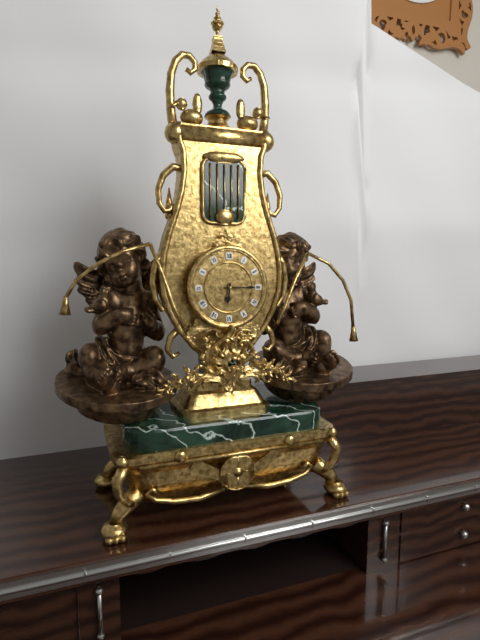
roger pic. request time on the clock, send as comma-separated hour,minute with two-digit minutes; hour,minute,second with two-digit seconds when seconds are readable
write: 6,15
